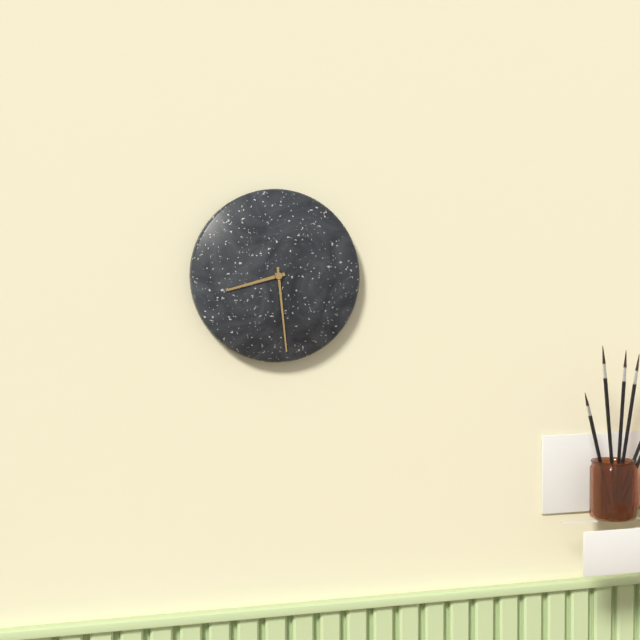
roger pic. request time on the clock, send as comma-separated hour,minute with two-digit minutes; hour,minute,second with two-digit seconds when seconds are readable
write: 8,29
